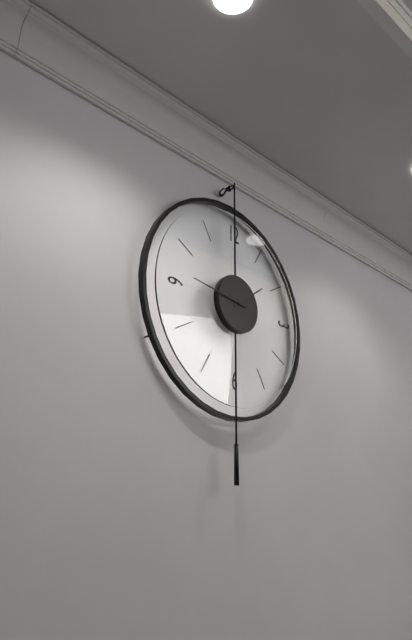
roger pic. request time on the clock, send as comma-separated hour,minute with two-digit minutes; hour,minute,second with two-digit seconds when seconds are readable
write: 1,46
